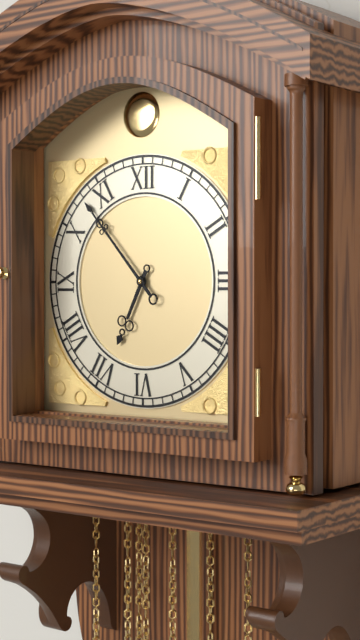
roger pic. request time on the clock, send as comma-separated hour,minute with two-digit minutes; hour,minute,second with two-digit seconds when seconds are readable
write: 6,53
